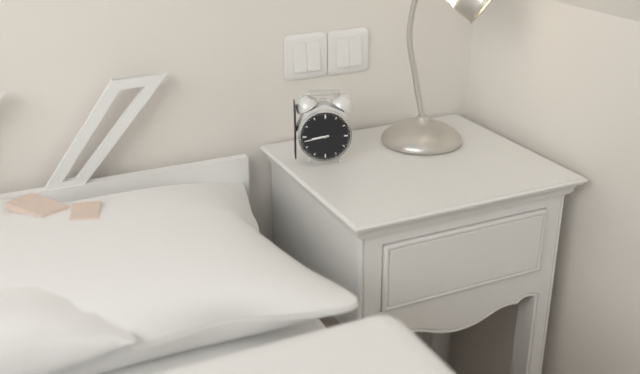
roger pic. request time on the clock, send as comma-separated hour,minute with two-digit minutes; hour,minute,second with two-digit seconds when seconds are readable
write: 8,43
